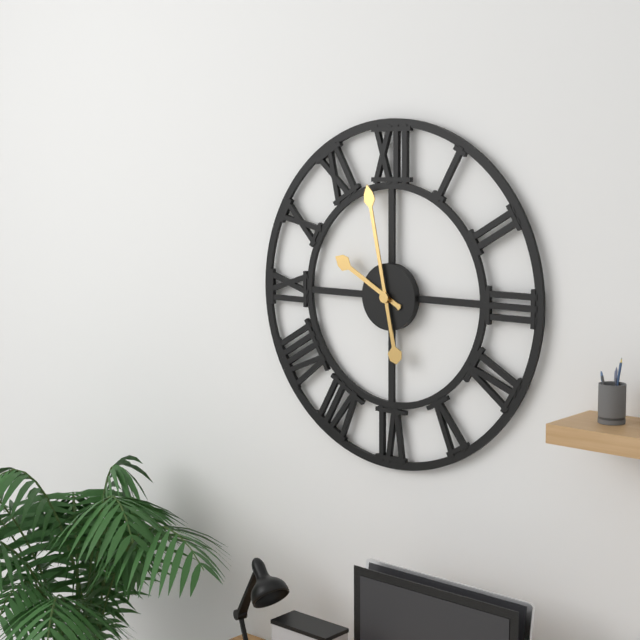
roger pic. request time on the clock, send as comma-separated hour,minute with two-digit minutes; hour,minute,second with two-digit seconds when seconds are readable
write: 9,58
